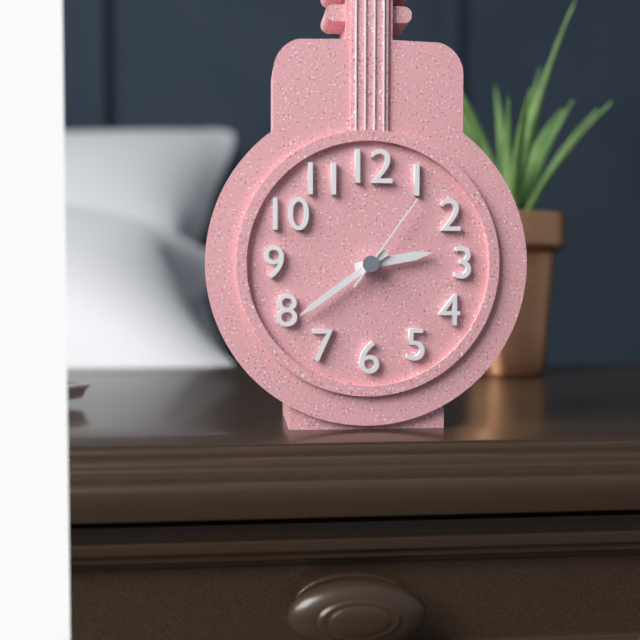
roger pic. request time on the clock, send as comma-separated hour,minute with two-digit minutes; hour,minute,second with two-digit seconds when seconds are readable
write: 2,39,06
